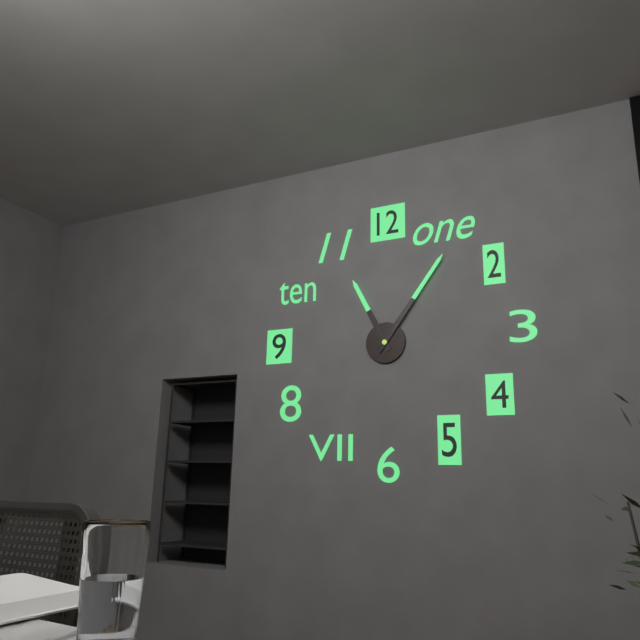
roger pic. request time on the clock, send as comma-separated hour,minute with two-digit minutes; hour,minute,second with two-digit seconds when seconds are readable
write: 11,06
